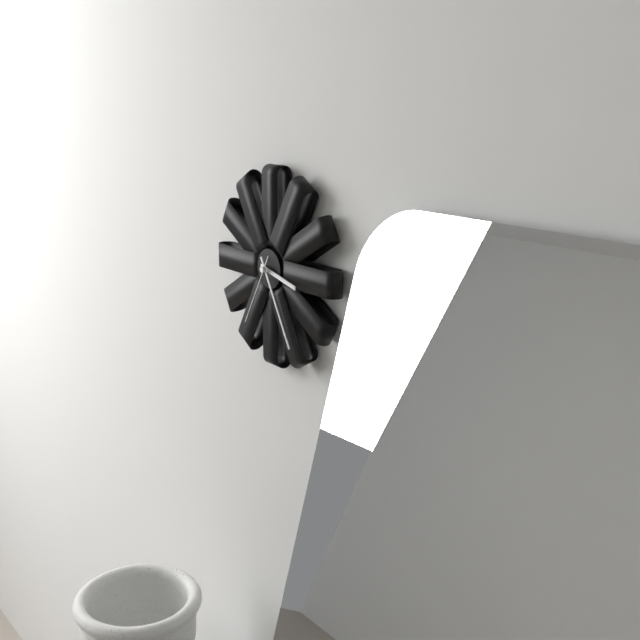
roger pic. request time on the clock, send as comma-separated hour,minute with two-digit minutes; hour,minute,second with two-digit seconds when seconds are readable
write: 3,25,35
